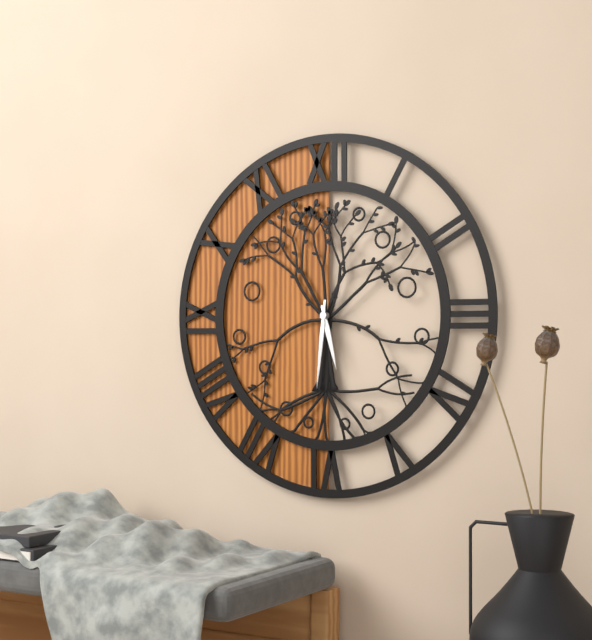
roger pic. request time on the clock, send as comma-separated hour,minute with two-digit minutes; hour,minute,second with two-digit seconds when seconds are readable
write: 5,31
